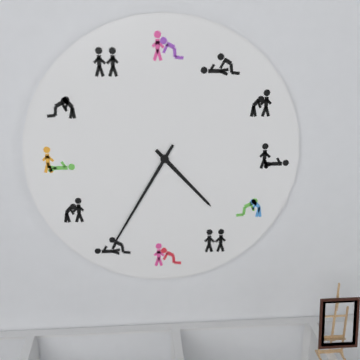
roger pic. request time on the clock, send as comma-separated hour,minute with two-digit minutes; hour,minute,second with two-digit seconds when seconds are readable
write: 4,35
